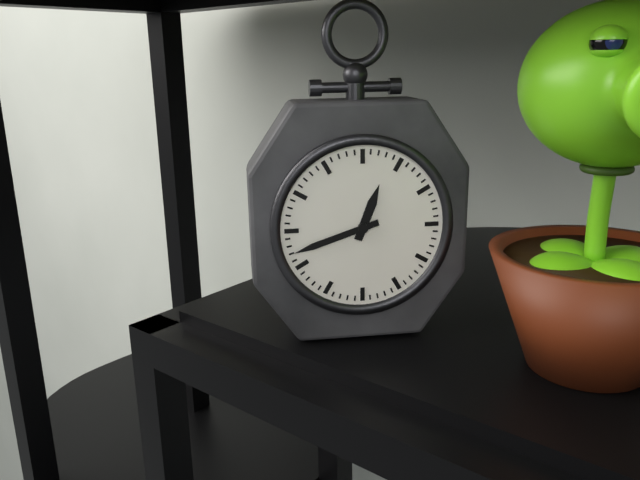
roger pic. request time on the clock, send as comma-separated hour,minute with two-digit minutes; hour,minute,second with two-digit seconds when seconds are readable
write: 12,42
